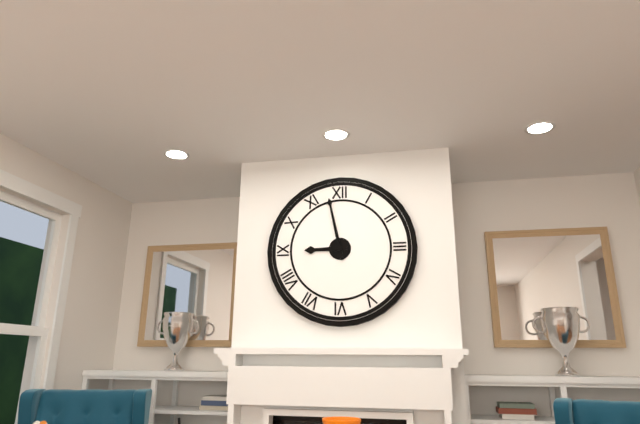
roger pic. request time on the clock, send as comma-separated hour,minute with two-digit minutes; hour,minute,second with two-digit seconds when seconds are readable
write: 8,58
